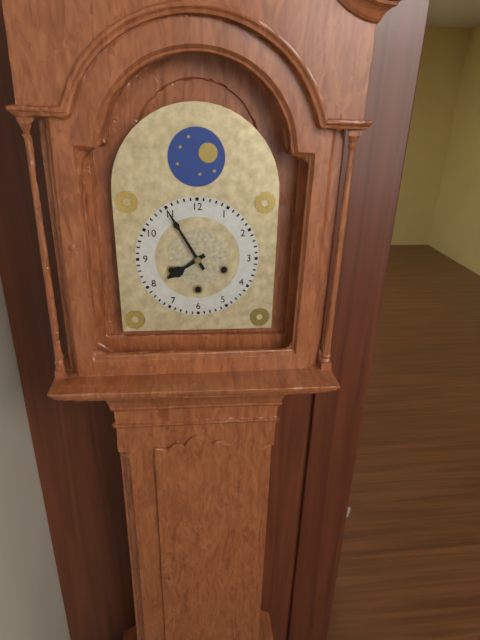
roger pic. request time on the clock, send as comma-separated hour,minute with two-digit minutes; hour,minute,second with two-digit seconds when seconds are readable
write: 7,55
